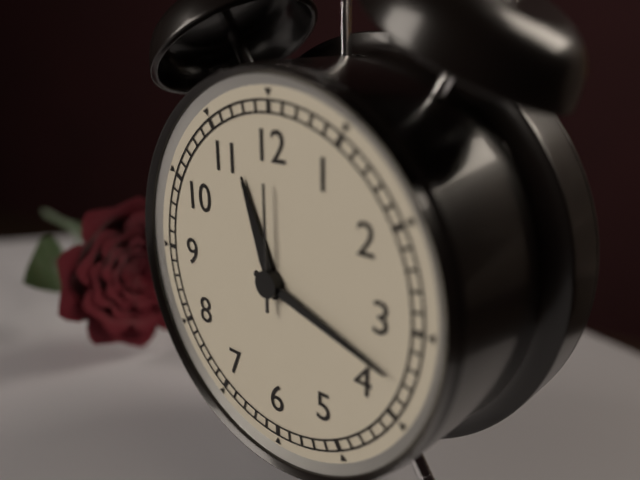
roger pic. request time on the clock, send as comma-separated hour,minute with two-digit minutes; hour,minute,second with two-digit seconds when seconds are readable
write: 11,18,00
